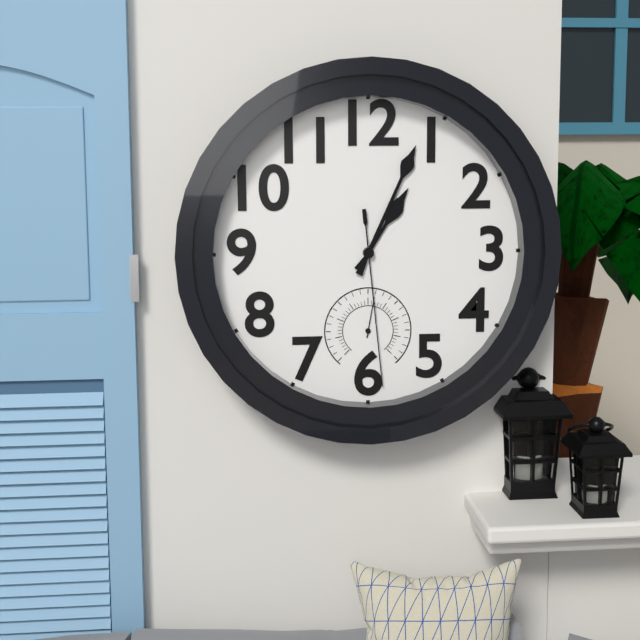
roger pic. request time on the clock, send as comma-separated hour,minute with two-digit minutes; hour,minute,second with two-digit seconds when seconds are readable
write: 1,04,29
